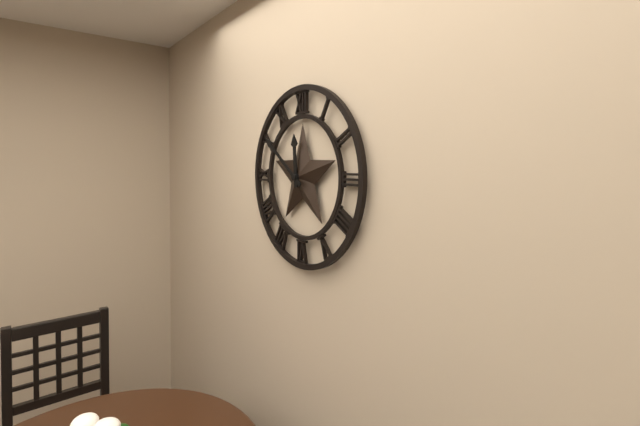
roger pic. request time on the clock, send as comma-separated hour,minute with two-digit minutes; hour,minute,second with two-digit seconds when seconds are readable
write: 11,51
